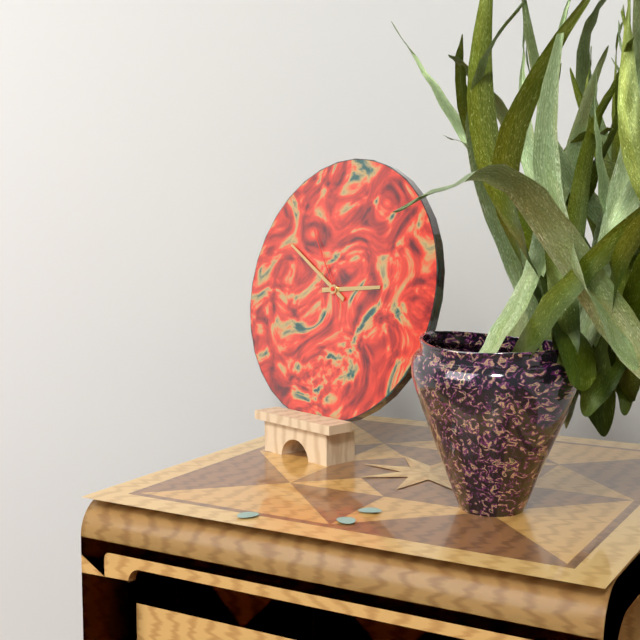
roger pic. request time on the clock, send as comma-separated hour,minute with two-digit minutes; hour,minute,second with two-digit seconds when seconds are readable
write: 2,50,54
